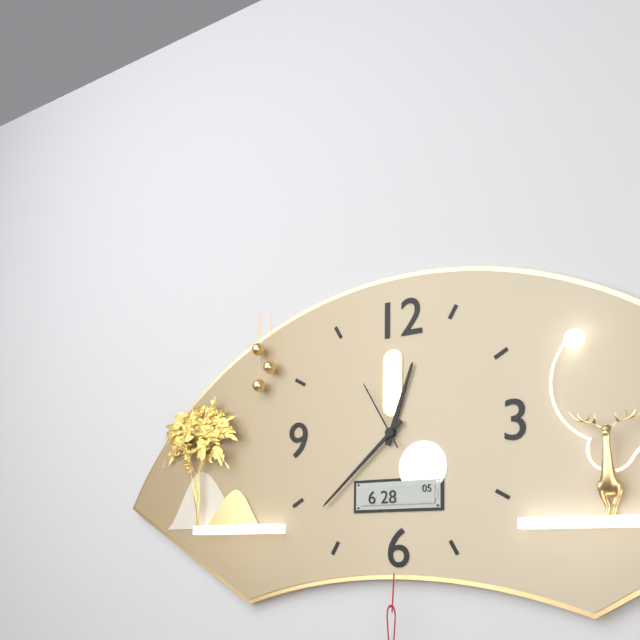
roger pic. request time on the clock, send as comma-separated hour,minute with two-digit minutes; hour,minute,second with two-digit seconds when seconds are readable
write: 12,38,55
